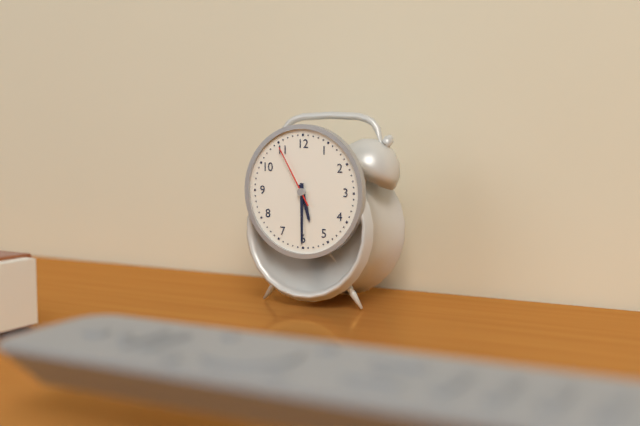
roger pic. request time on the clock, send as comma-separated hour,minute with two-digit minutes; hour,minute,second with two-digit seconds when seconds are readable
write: 5,30,55
